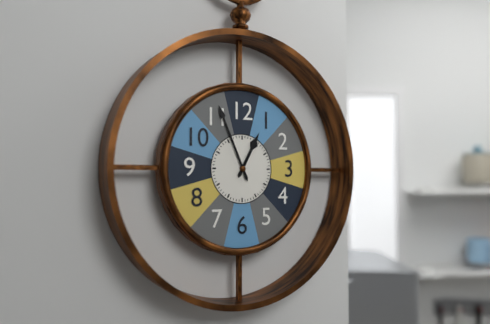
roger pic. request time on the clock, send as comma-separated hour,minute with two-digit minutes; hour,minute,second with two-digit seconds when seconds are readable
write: 12,56
